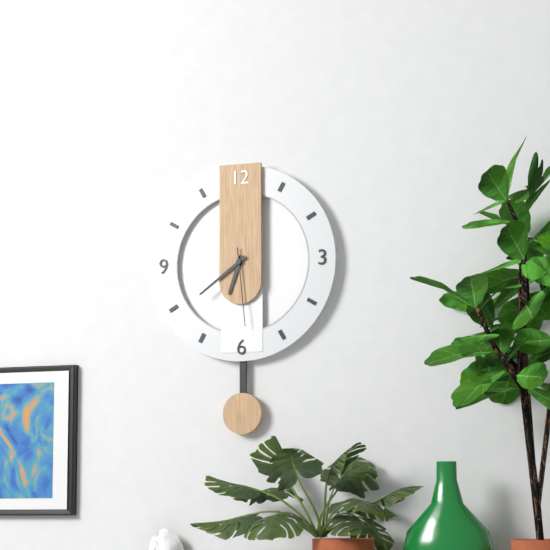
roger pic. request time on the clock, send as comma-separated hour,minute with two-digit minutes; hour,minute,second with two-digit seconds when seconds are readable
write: 6,39,29
